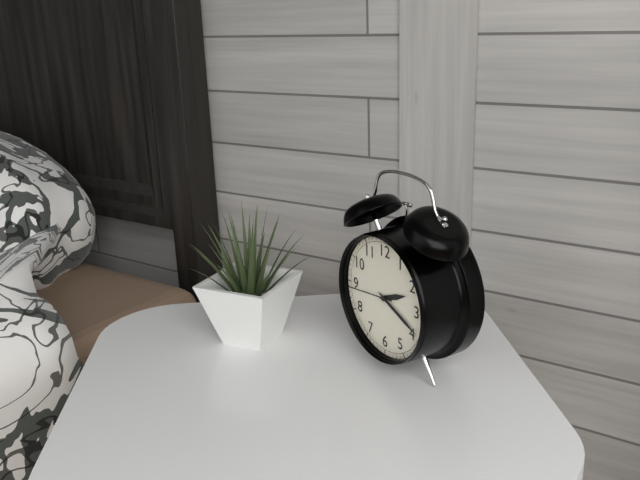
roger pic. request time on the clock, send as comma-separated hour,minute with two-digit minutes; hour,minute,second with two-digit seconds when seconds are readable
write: 2,19
